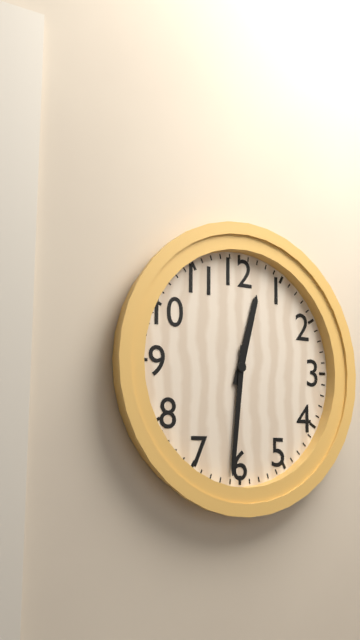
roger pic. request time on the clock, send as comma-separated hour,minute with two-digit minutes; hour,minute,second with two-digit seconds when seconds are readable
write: 12,31
